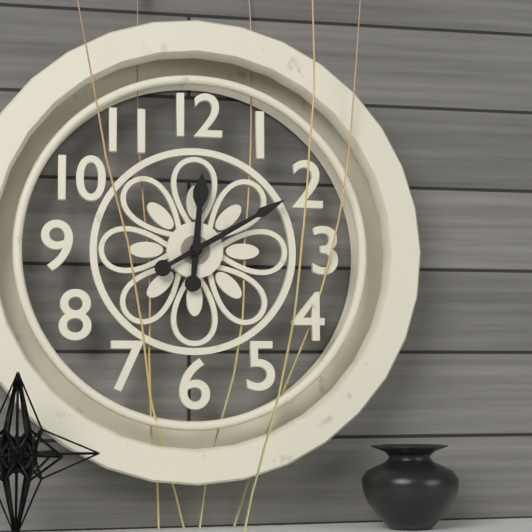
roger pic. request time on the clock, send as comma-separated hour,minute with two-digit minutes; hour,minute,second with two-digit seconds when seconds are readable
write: 12,10
